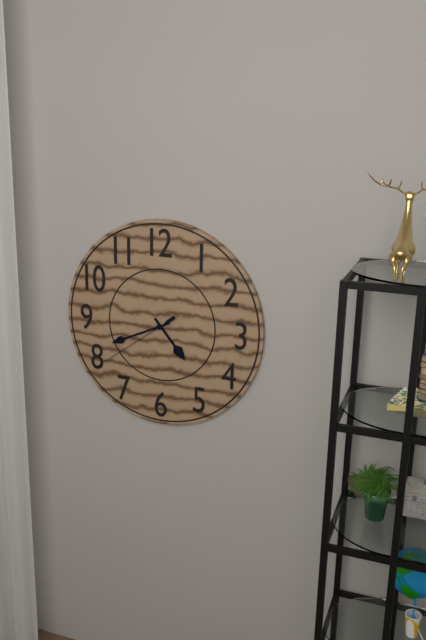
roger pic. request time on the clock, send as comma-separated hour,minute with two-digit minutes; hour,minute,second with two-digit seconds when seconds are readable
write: 4,41,39
